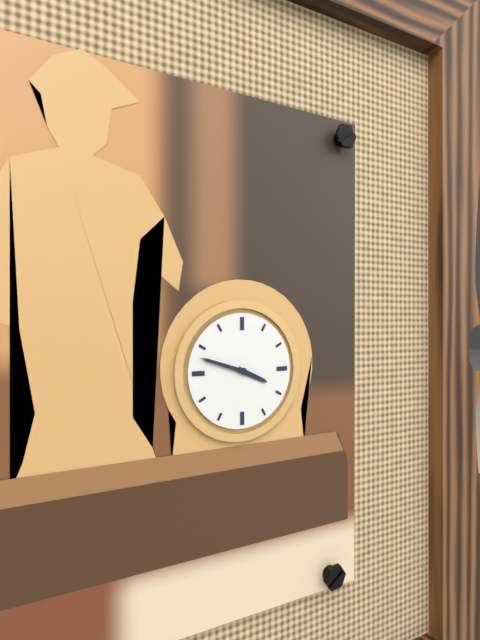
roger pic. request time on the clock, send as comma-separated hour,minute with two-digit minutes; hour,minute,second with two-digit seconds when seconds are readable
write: 3,48
